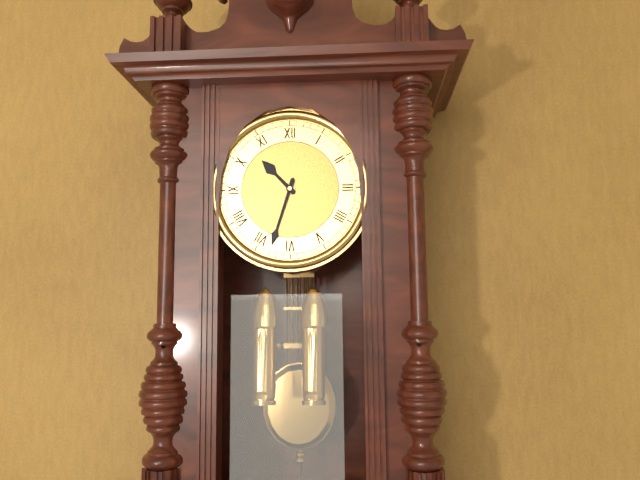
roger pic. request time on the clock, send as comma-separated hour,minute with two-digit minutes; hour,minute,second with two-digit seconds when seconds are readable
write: 10,33
